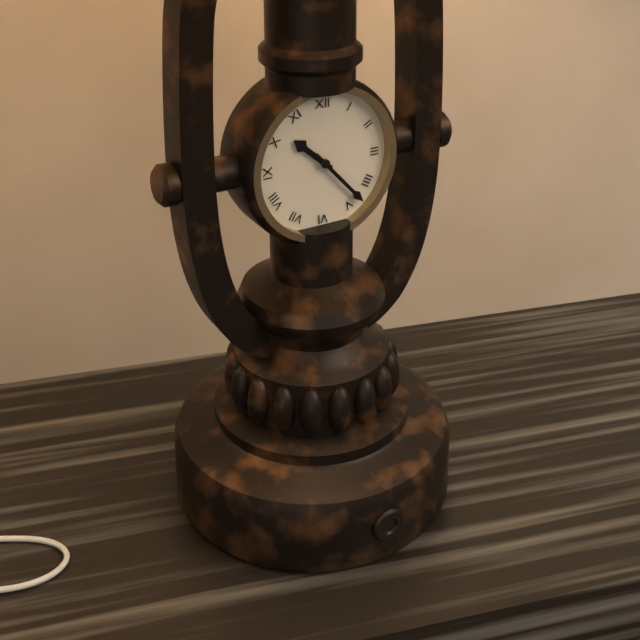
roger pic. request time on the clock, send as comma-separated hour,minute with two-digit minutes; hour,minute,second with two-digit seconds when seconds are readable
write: 10,23
